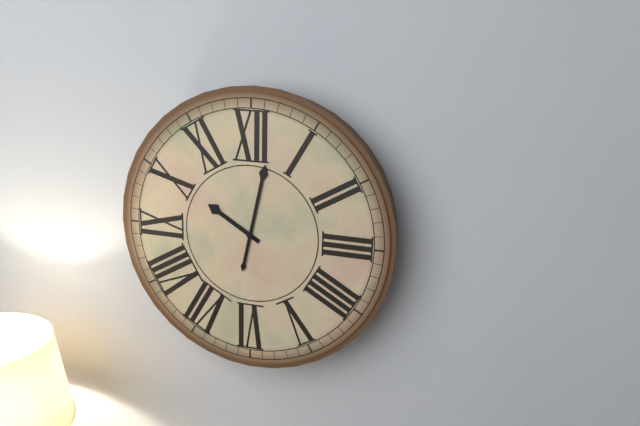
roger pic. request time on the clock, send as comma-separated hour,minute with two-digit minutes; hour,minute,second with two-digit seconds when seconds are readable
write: 10,02
